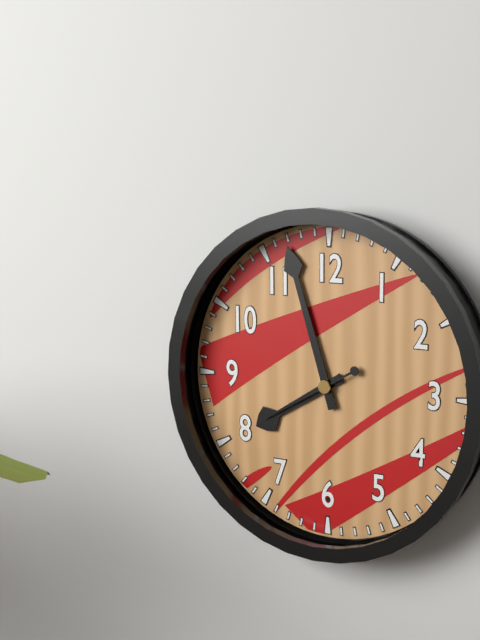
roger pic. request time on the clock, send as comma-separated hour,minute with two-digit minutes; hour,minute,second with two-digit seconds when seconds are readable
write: 7,57,40
